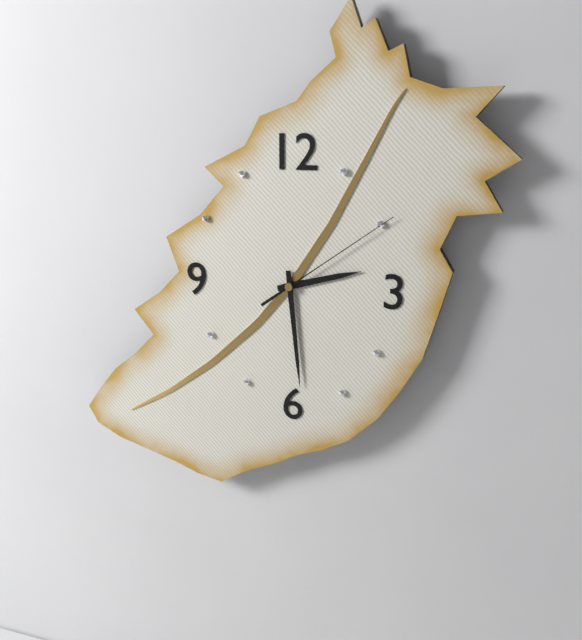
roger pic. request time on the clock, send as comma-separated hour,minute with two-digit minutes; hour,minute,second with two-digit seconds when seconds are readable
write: 2,29,09
